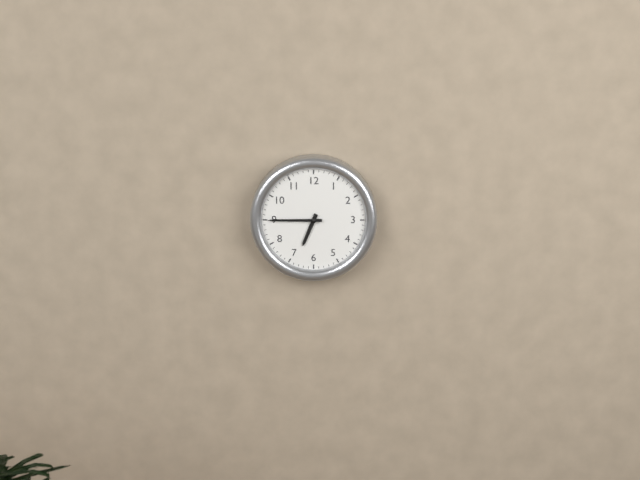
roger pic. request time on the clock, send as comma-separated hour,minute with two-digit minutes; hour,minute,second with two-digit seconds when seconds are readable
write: 6,45
